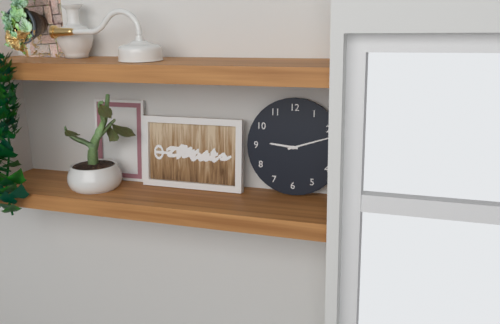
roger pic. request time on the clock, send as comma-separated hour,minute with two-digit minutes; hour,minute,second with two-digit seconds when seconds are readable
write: 9,12
